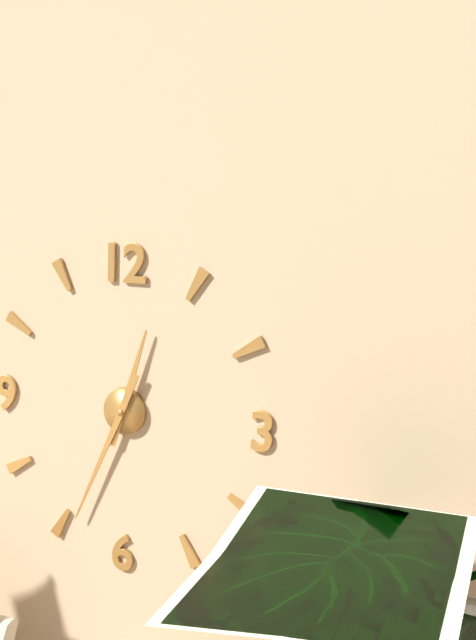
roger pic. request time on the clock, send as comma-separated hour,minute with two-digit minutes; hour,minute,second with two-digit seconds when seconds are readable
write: 12,34
